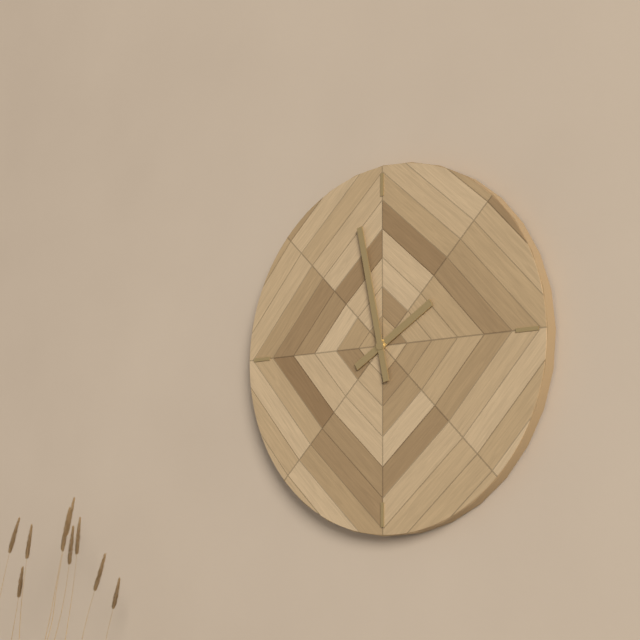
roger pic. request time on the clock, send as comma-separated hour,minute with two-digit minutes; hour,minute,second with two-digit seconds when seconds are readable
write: 1,58
